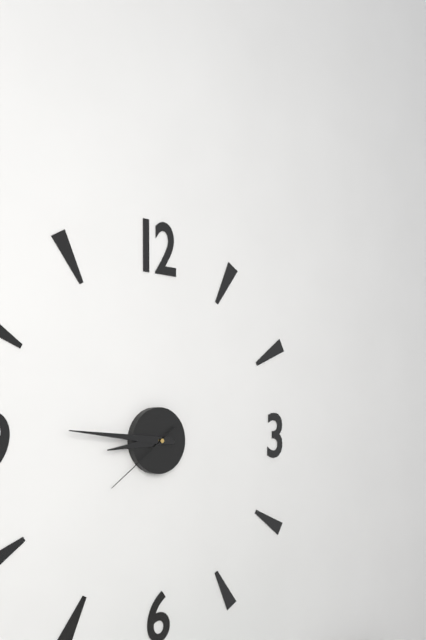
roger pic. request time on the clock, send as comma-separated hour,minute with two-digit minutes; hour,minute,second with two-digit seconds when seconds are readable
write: 8,46,39
